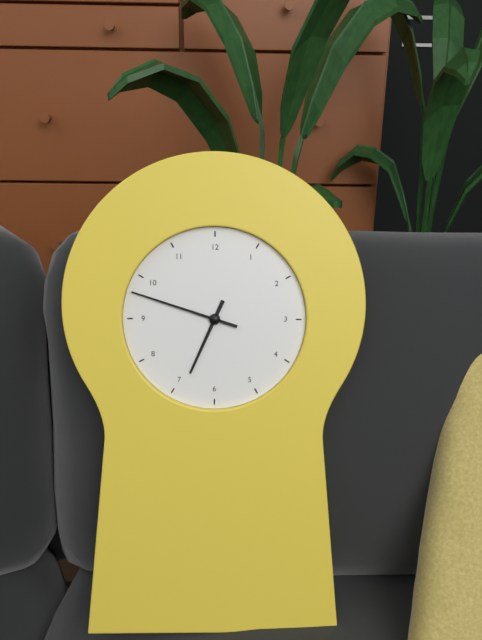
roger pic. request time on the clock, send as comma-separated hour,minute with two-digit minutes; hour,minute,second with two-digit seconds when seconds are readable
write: 6,48
